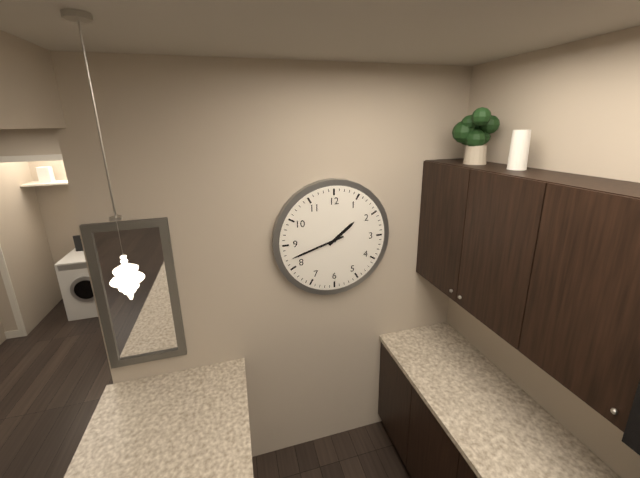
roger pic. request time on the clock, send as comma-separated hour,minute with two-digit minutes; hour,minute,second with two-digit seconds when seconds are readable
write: 1,42
